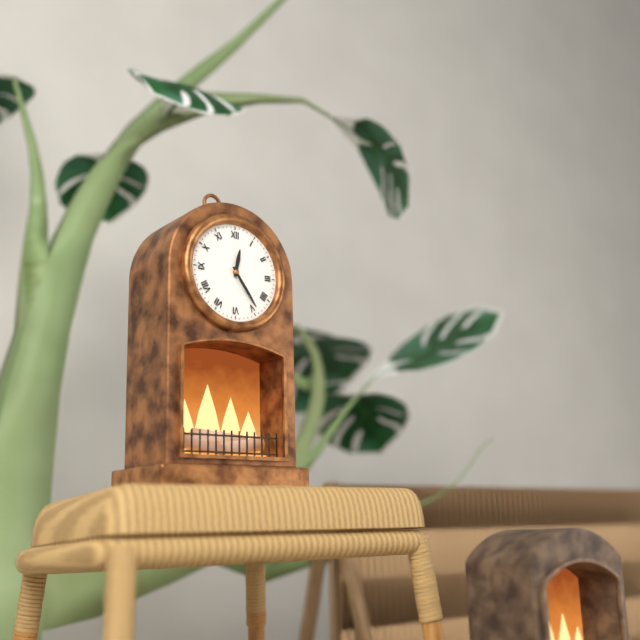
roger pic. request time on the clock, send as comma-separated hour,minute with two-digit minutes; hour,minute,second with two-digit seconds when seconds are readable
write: 12,24
